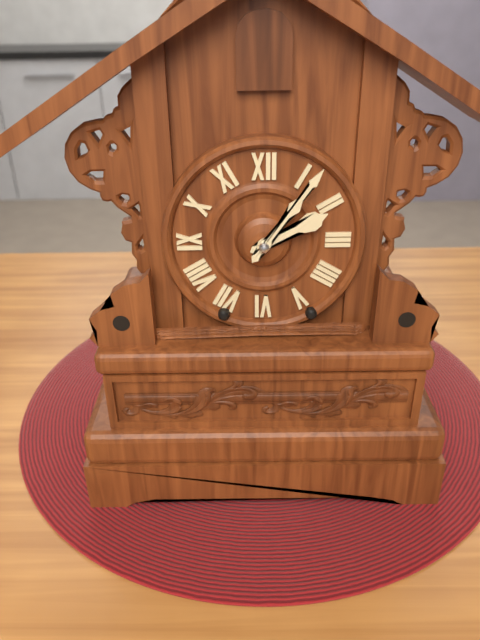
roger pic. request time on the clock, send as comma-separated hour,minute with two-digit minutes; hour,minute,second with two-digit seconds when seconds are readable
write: 2,06
